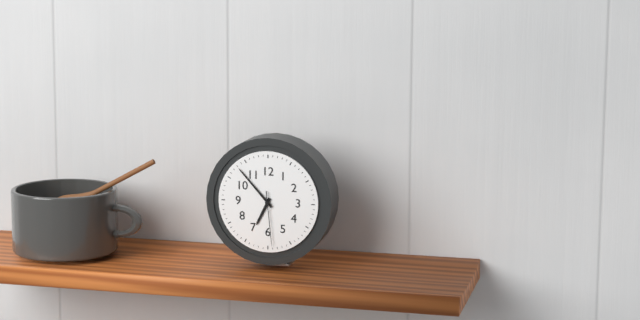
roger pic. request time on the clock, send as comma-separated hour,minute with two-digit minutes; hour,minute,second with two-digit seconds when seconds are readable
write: 6,53,29
